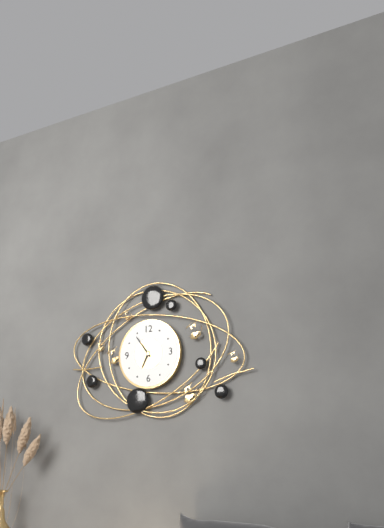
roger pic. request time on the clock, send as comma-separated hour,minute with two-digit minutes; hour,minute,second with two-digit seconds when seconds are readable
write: 6,54
